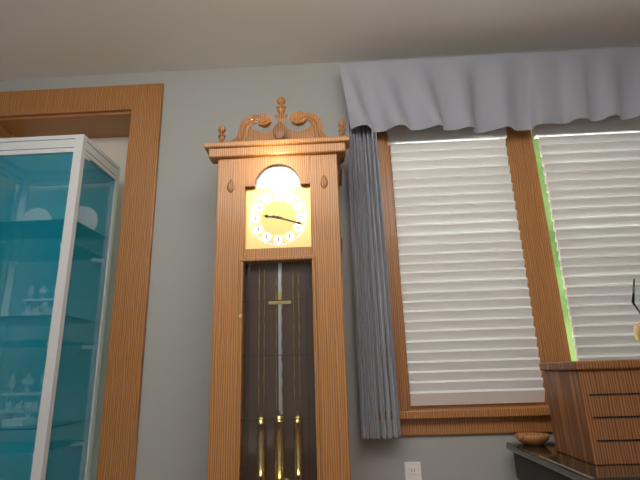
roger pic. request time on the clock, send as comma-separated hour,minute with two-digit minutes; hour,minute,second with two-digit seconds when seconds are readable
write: 9,18
